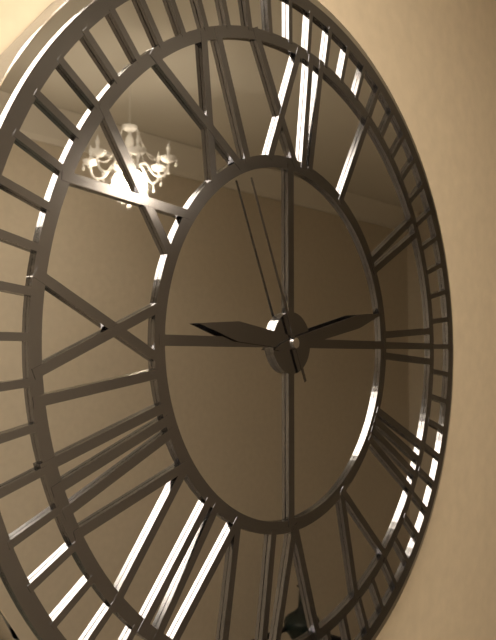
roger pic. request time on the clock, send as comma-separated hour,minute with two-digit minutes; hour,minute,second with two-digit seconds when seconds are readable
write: 9,13,56
